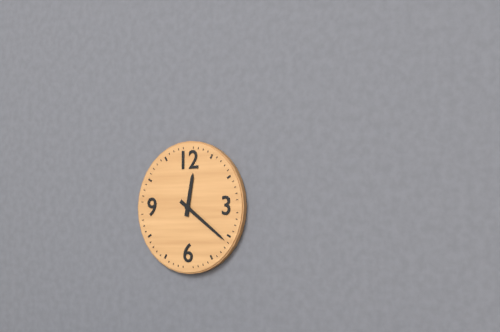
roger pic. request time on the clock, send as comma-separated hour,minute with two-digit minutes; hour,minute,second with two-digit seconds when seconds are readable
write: 12,21
